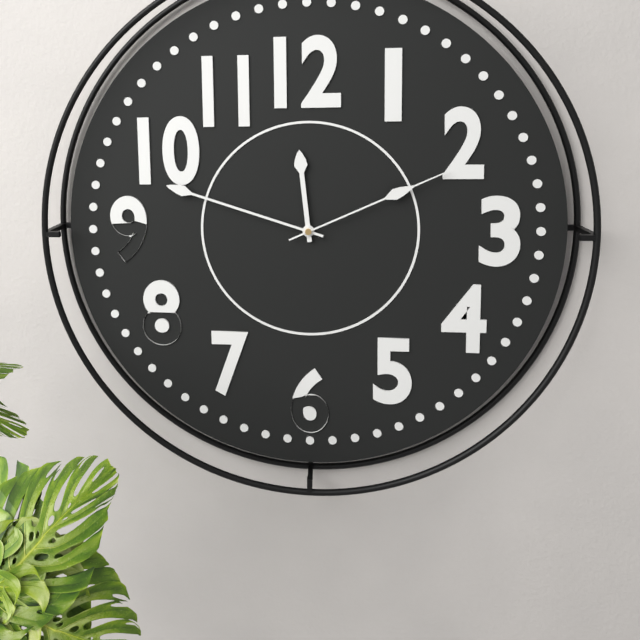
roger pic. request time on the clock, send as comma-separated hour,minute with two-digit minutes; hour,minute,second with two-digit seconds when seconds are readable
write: 11,48,11
